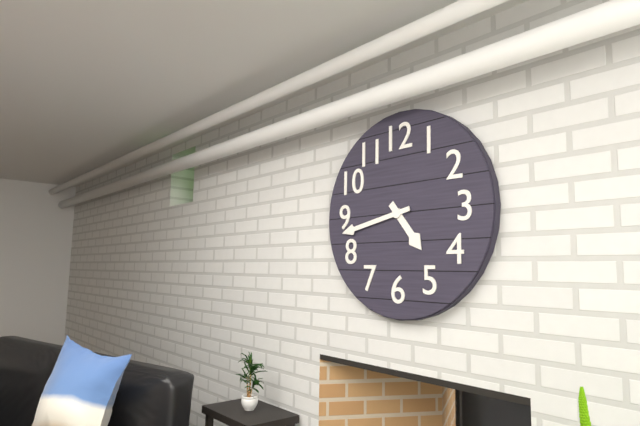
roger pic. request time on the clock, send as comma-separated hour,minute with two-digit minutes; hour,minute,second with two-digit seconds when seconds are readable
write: 4,43
